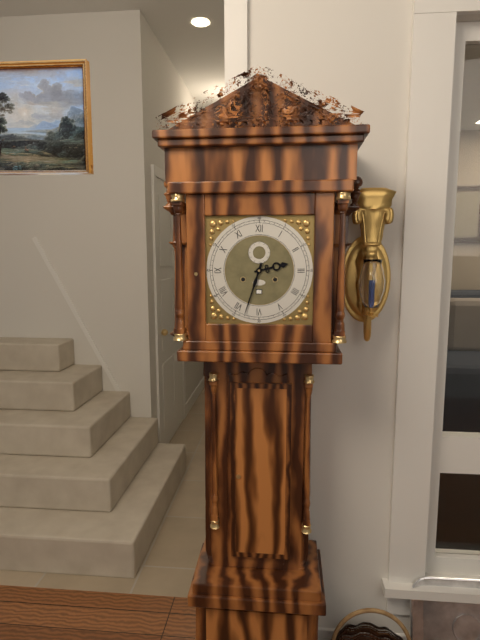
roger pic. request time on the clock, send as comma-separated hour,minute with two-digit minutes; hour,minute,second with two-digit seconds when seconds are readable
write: 2,33
